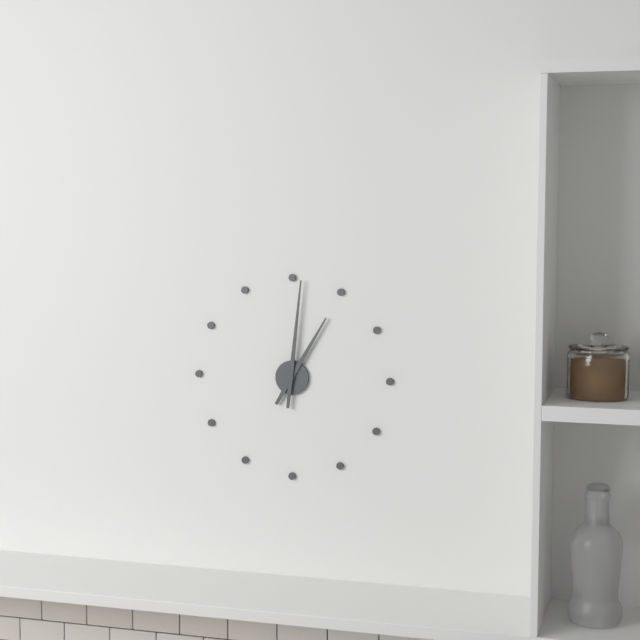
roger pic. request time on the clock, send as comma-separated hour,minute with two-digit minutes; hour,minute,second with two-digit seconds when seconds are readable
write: 1,01
